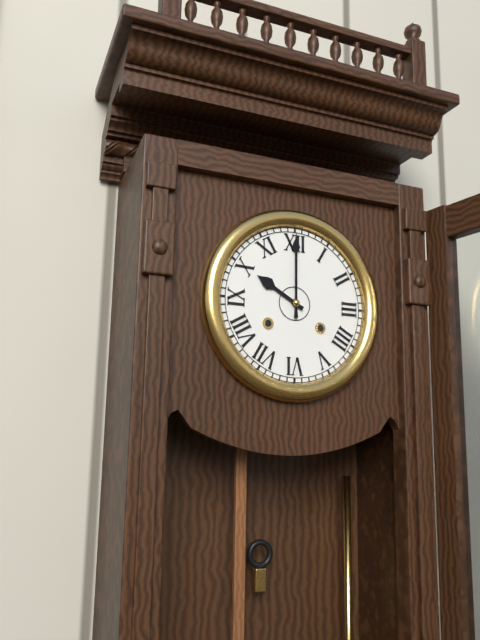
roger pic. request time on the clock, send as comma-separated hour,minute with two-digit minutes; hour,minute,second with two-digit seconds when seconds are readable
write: 10,00
